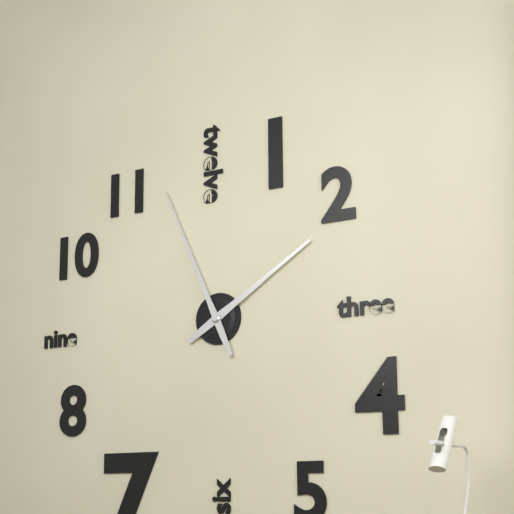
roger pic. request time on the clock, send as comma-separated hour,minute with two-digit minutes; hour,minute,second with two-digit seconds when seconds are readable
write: 1,56
